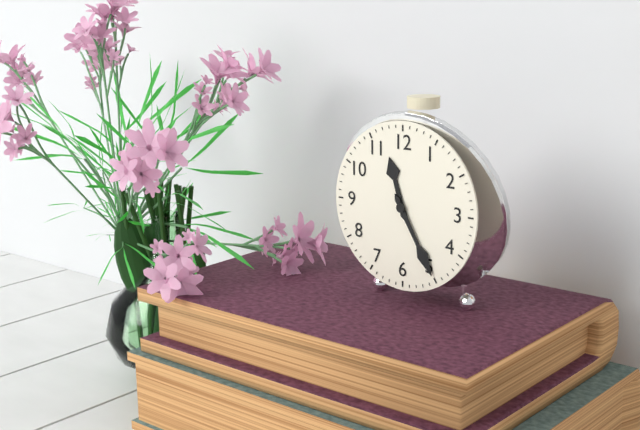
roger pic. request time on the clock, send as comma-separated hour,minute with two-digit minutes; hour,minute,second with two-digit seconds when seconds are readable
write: 11,25
